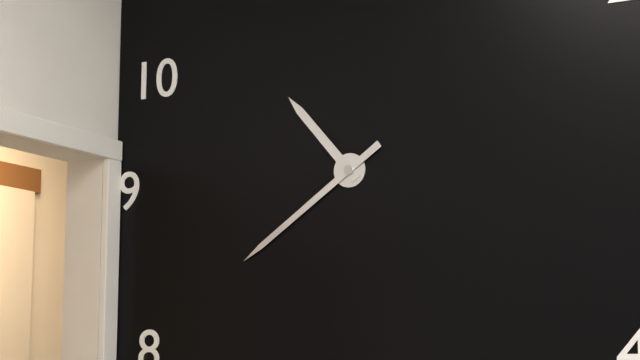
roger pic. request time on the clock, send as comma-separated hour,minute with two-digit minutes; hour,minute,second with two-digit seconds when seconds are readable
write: 10,39
